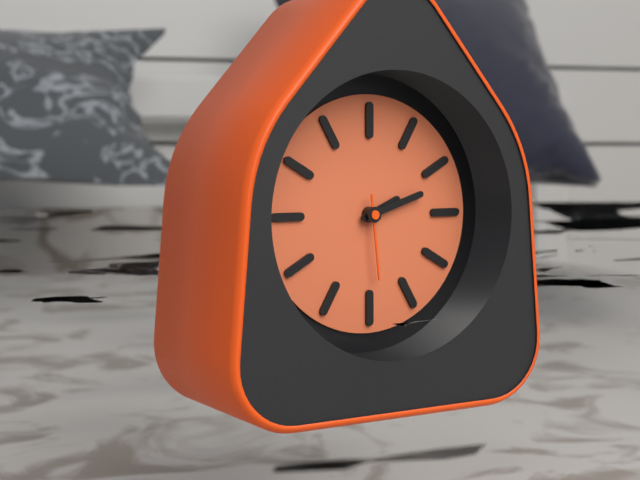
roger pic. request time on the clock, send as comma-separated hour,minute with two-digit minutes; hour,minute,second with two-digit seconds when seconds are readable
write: 2,12,29
